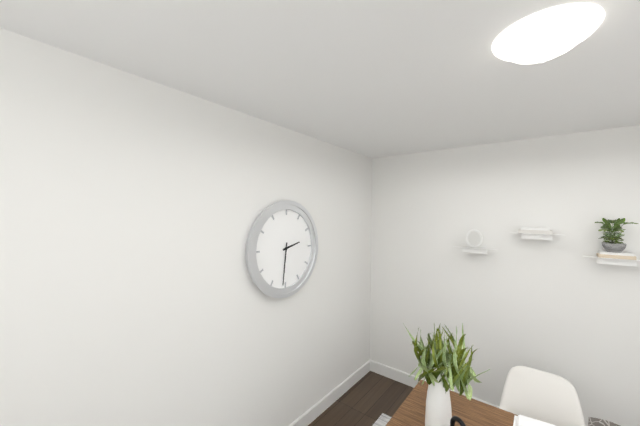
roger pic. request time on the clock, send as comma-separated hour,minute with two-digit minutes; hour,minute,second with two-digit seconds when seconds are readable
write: 2,31
